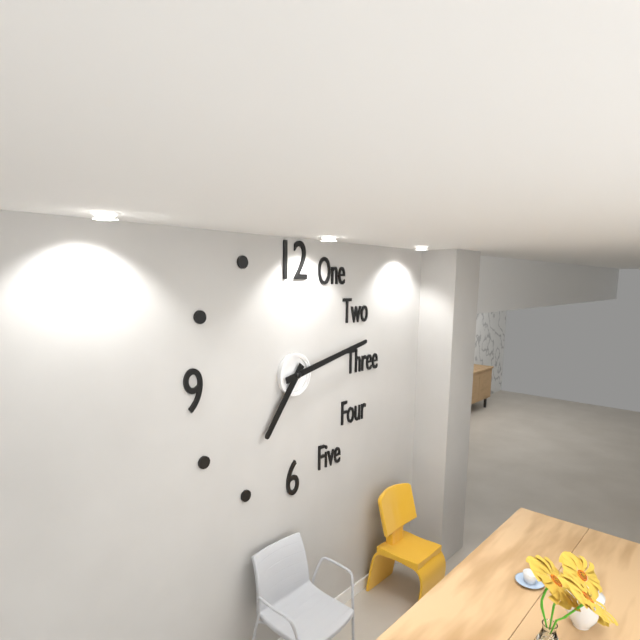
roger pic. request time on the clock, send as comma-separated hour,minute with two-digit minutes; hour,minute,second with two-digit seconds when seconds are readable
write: 7,13
